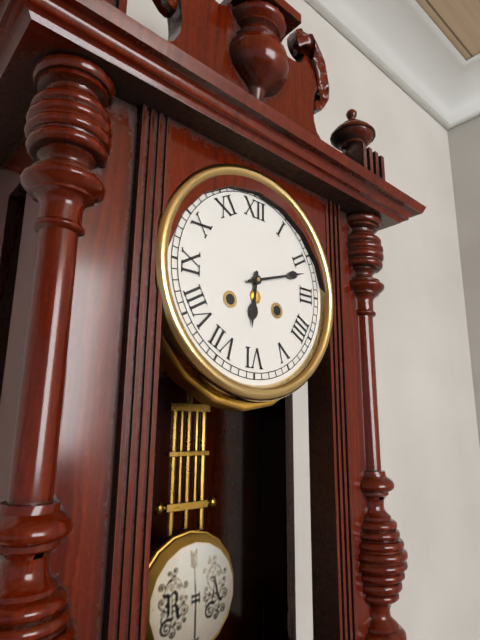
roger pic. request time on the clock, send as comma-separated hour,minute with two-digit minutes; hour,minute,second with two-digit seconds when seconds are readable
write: 6,12
